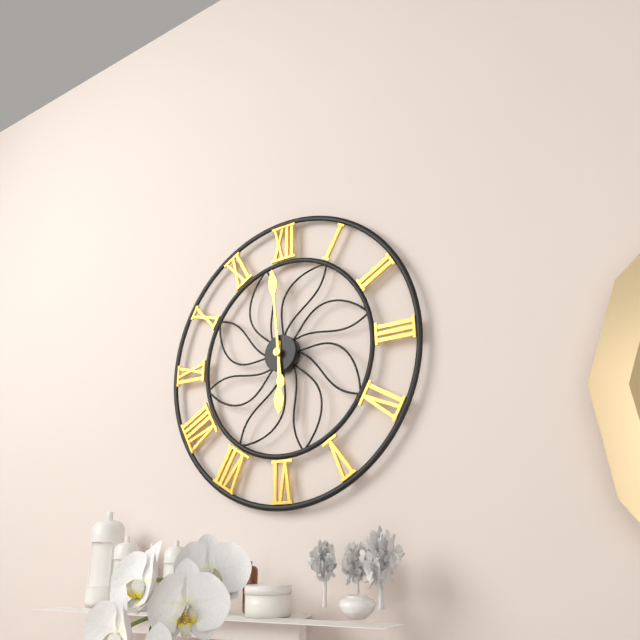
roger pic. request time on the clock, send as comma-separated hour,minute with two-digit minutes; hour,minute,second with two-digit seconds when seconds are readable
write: 5,59
